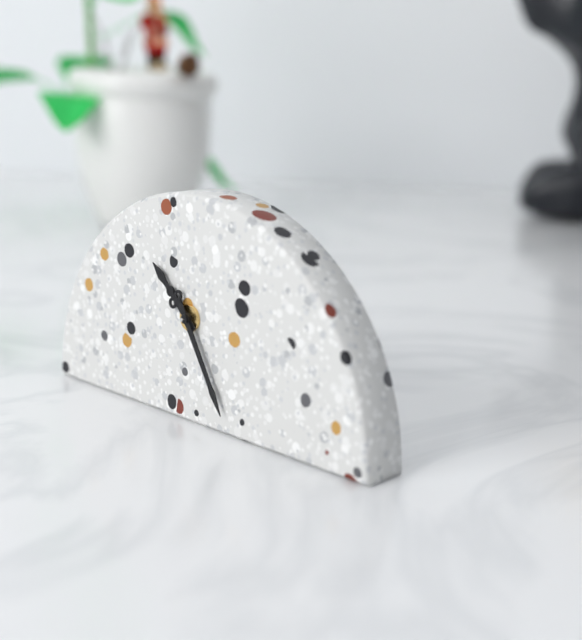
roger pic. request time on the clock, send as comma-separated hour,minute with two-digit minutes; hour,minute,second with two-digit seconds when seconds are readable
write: 10,25
